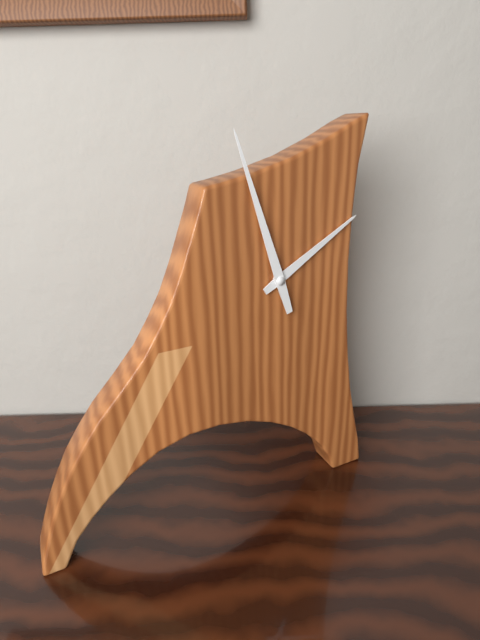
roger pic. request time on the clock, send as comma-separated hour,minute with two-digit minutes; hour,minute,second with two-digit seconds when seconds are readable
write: 1,57
